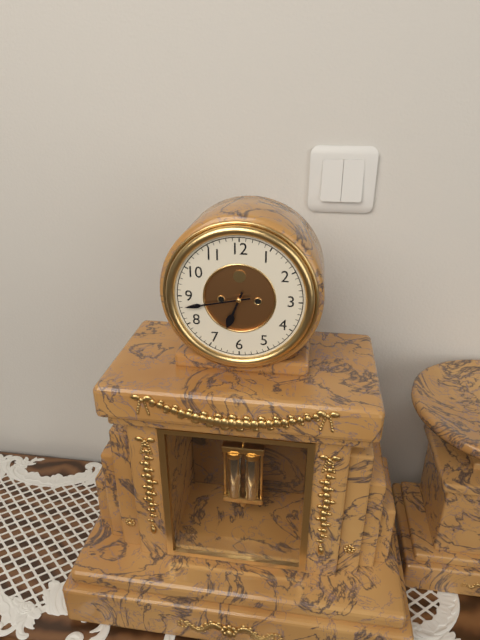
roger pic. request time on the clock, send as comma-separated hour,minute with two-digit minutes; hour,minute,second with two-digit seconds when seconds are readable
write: 6,43
